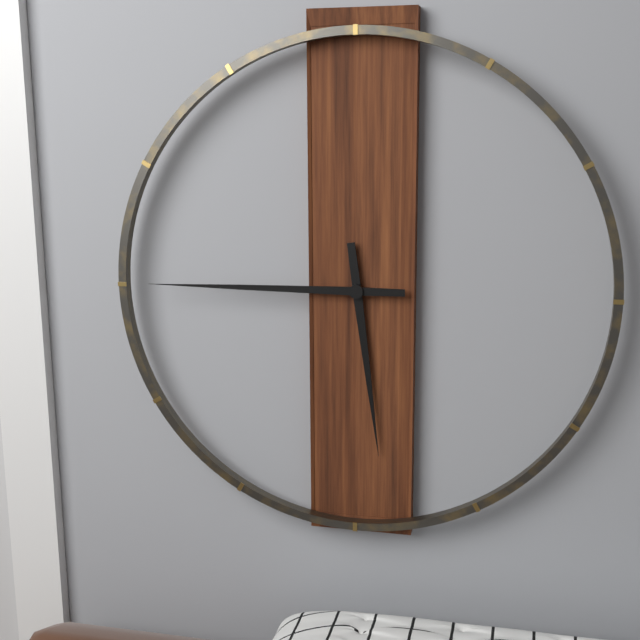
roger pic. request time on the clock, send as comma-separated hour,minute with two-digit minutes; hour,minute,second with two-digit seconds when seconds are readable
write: 5,45
